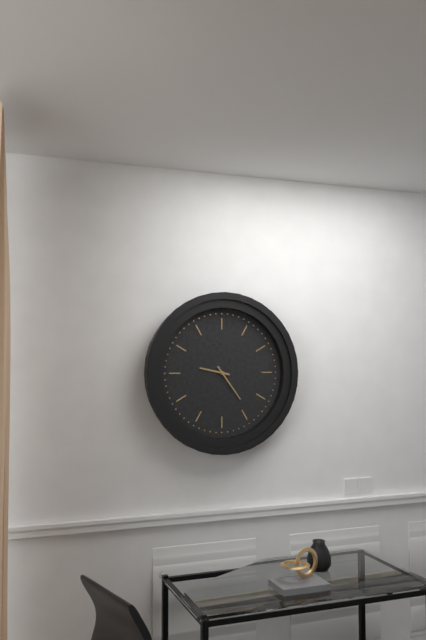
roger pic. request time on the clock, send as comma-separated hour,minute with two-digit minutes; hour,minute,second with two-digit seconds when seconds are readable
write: 9,24
